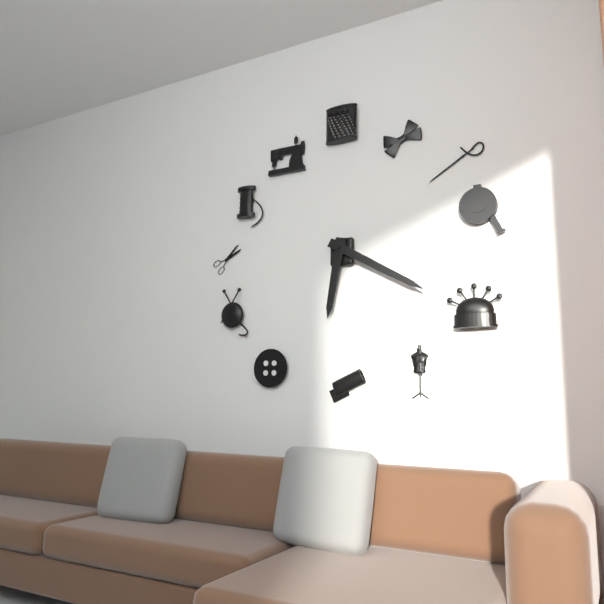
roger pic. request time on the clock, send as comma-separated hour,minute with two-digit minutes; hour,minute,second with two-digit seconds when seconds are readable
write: 6,20
